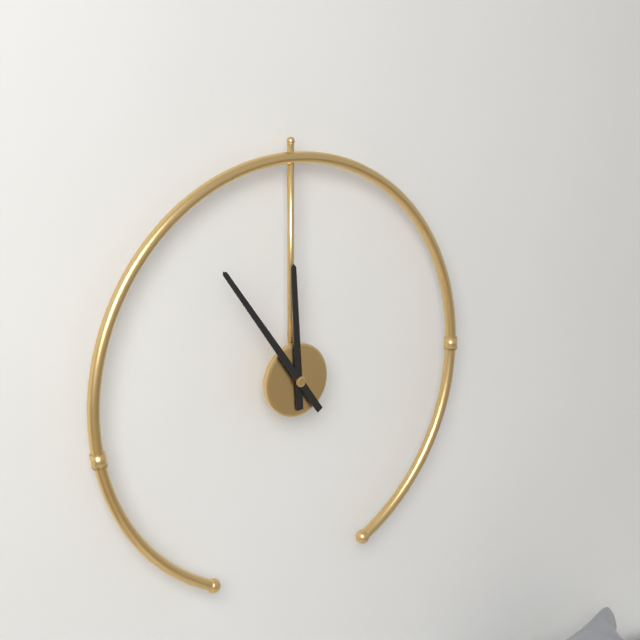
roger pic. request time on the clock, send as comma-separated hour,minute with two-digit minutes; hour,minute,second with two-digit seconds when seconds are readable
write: 11,54
